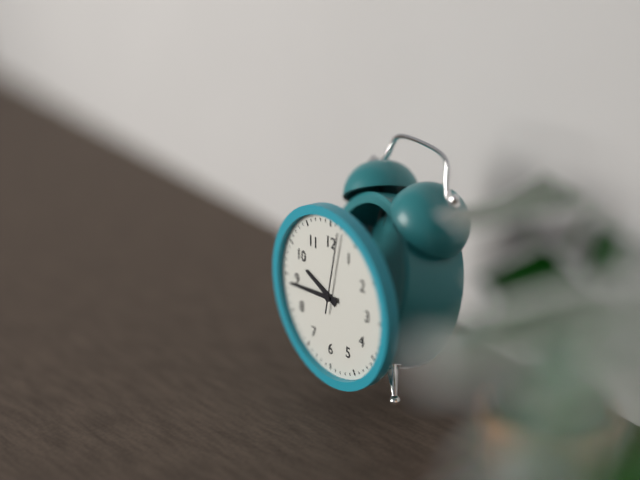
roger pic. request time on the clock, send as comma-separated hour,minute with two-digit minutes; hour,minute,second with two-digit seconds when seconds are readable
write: 9,44,02
